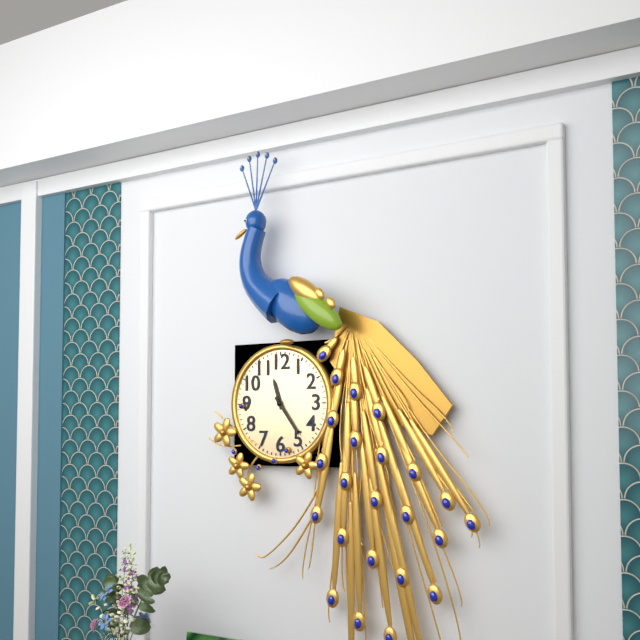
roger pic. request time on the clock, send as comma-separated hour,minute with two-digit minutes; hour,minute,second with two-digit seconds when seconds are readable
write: 11,24
